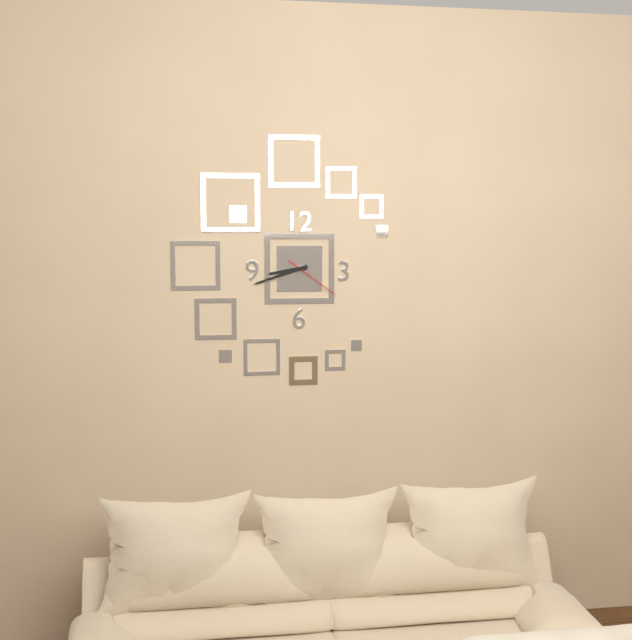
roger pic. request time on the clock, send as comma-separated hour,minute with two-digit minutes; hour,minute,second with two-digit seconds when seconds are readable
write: 8,42,21
